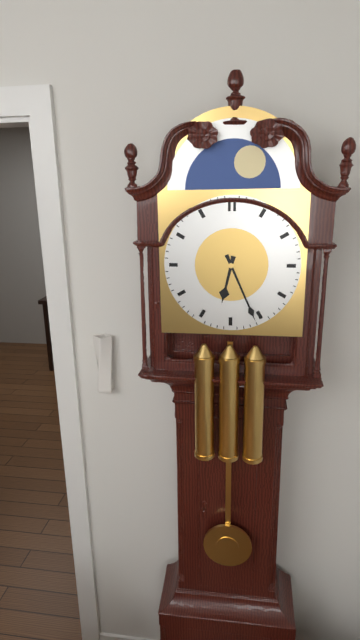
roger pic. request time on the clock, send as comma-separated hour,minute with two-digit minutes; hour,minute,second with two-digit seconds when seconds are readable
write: 6,26
